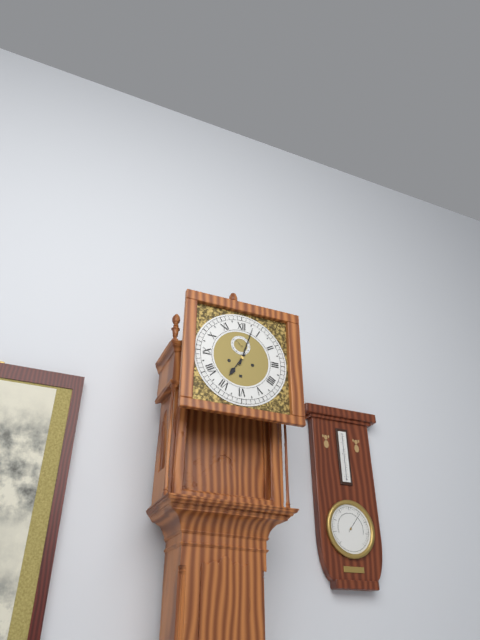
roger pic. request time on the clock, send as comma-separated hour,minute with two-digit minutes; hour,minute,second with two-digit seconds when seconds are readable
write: 7,03
